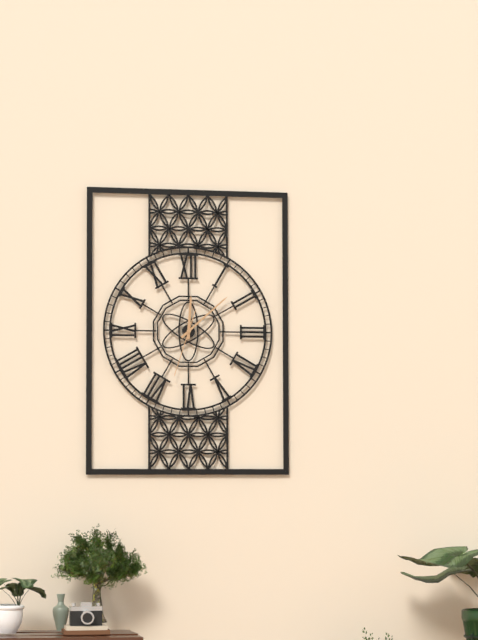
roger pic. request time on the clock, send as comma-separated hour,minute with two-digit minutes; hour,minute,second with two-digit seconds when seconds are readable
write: 12,08,33
